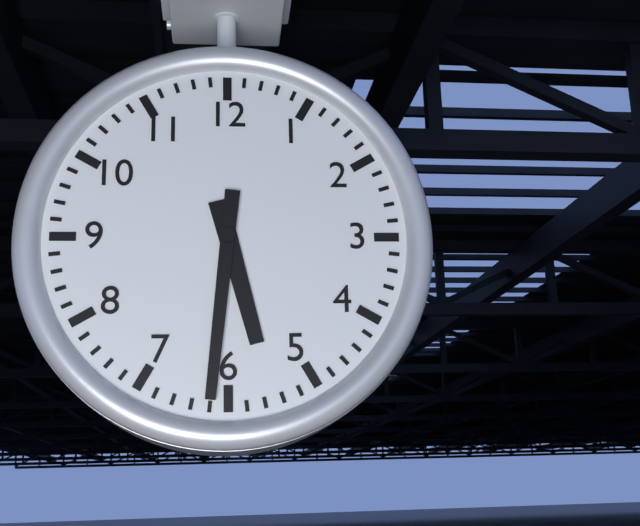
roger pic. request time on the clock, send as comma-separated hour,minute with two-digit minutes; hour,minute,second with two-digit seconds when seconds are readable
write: 5,31
